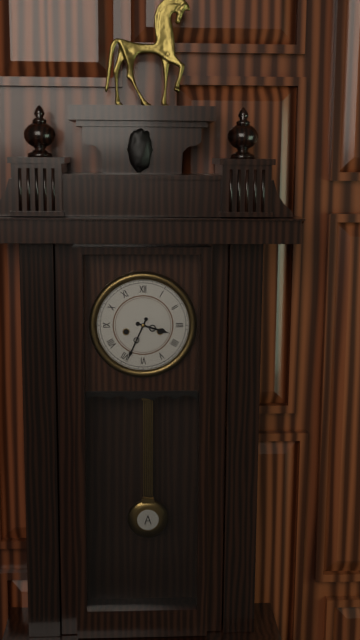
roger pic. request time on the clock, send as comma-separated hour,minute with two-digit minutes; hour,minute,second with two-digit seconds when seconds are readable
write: 3,34
